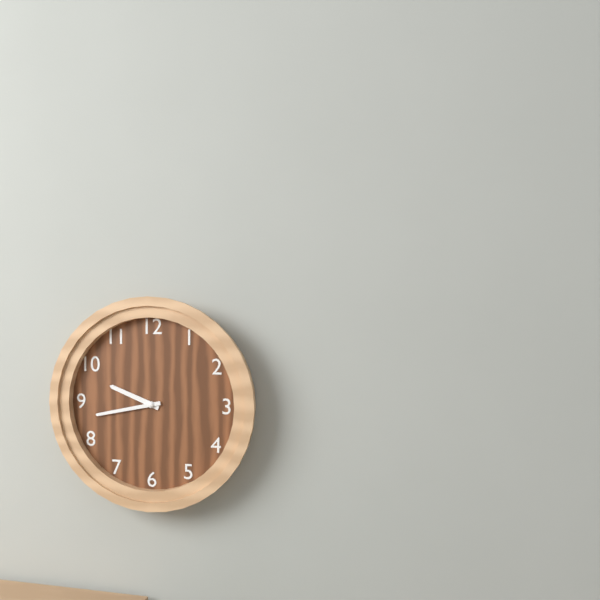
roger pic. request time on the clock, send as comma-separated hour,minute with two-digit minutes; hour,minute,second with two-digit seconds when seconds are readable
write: 9,43
